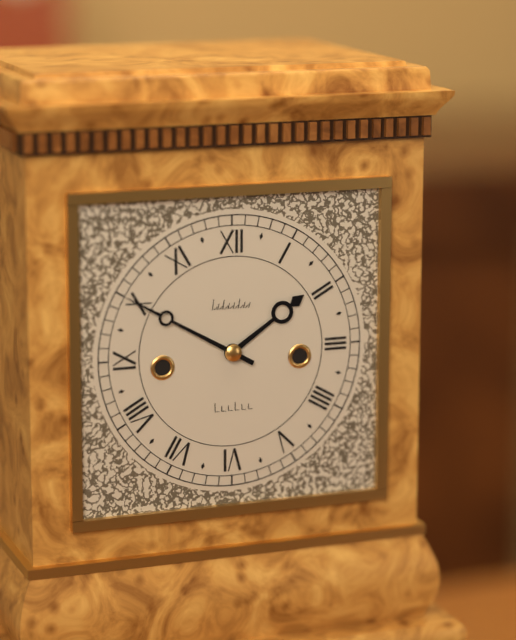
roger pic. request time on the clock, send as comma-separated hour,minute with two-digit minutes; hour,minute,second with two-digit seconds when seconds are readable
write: 1,50
